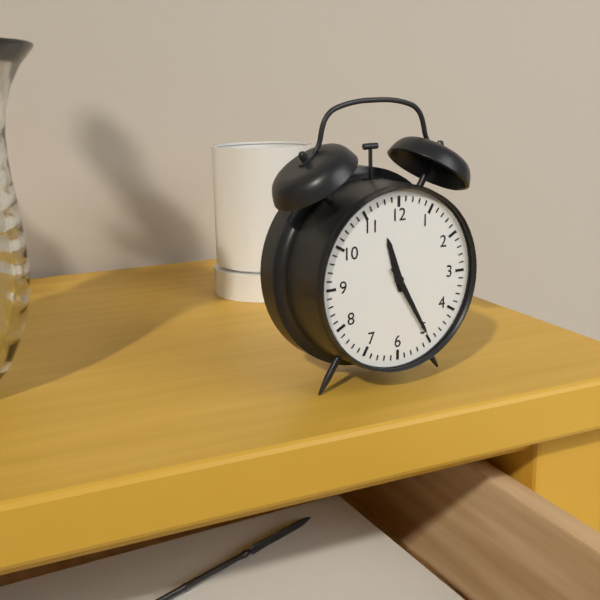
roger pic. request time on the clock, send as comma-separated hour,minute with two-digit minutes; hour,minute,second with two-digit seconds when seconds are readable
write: 11,25
